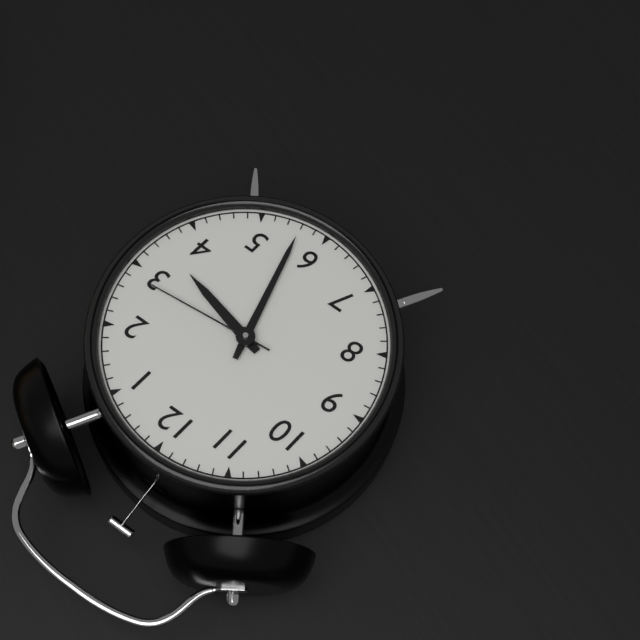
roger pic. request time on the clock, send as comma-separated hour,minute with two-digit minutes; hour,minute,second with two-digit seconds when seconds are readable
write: 3,28,14
